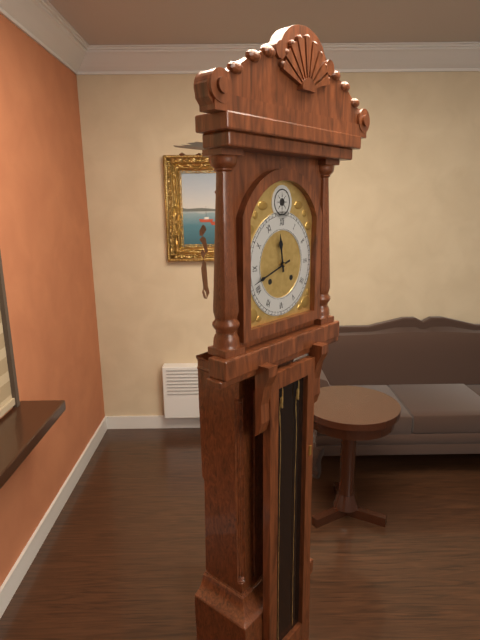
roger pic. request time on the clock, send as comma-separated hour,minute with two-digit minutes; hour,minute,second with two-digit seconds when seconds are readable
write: 11,42
